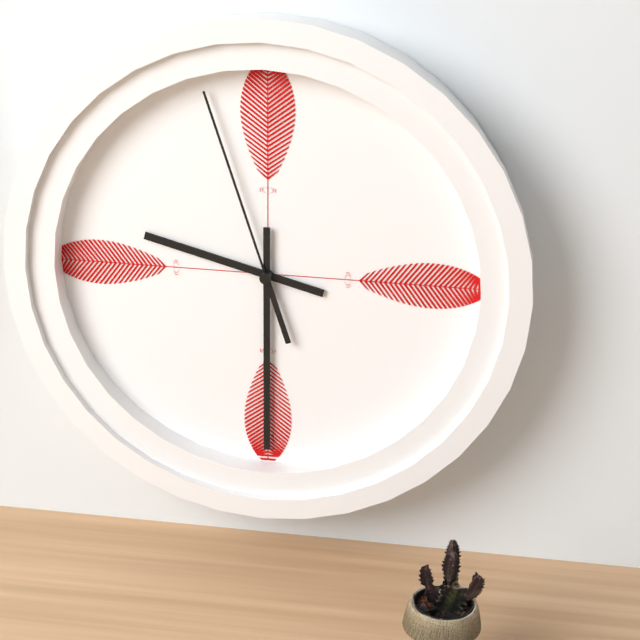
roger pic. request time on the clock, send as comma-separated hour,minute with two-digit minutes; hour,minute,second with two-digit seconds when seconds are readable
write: 9,30,57
